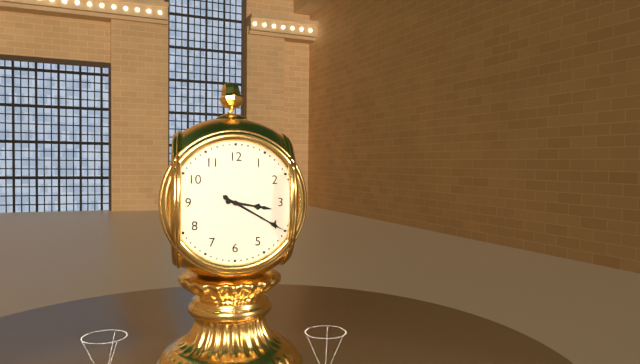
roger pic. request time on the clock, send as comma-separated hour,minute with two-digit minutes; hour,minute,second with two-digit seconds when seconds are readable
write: 3,20
